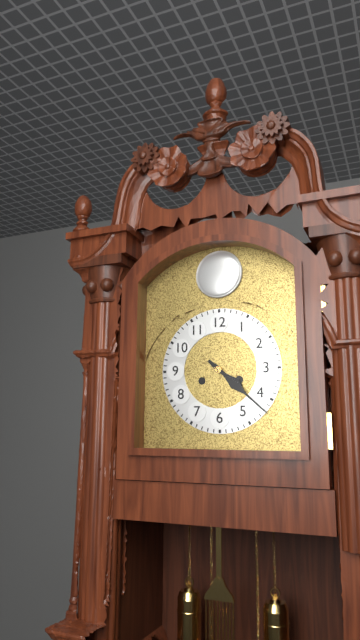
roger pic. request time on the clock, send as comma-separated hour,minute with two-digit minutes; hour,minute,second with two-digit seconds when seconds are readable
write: 4,22
